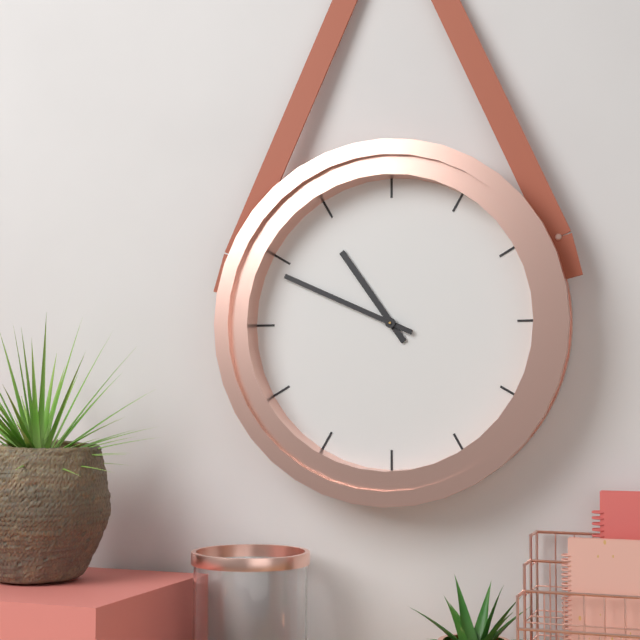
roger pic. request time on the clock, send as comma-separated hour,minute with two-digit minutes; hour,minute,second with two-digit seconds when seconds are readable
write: 10,49
